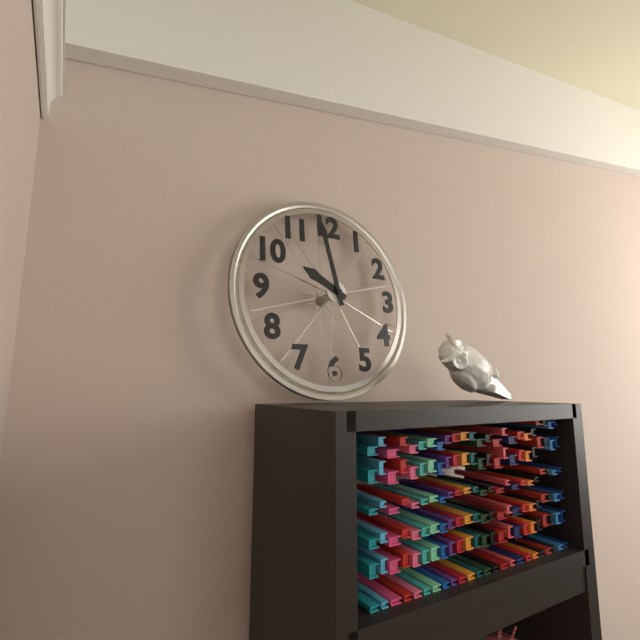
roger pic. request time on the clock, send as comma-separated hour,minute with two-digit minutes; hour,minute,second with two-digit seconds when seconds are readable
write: 9,58
